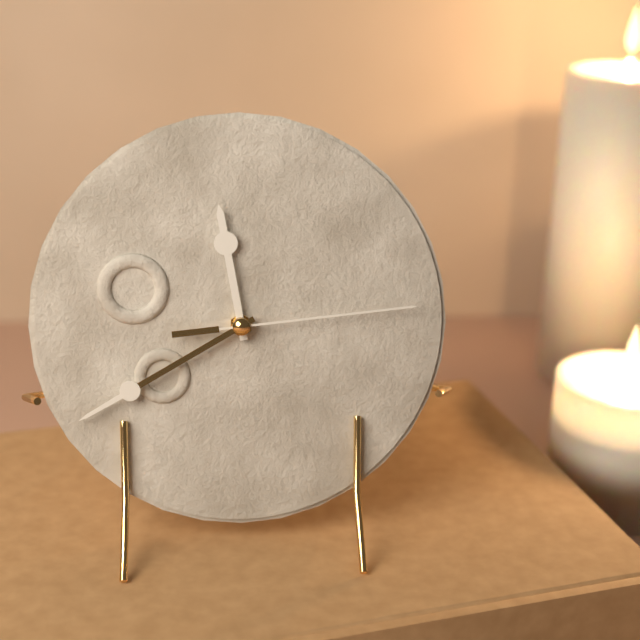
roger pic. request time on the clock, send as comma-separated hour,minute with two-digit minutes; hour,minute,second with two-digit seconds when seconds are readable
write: 11,40,14
